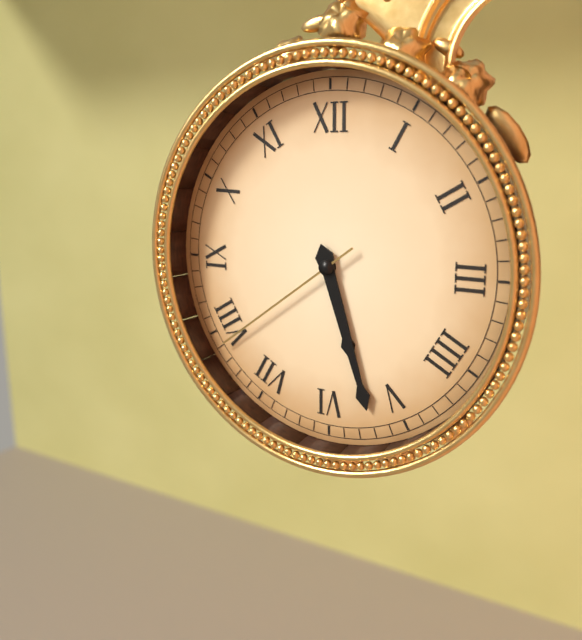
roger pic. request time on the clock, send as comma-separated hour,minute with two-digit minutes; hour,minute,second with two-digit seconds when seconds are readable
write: 5,27,39
